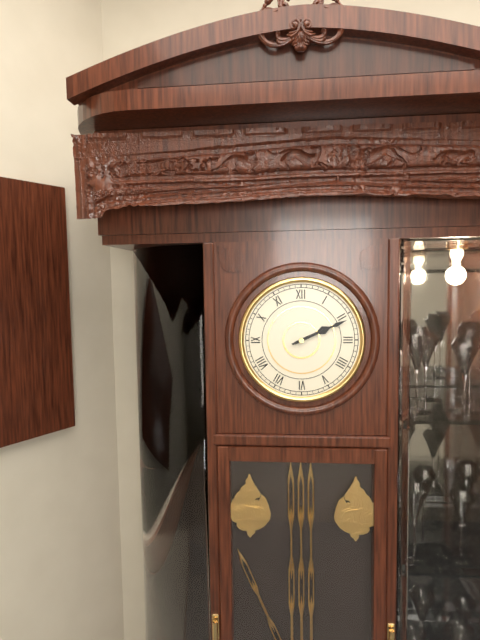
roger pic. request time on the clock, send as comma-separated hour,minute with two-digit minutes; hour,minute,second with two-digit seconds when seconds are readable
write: 2,11
